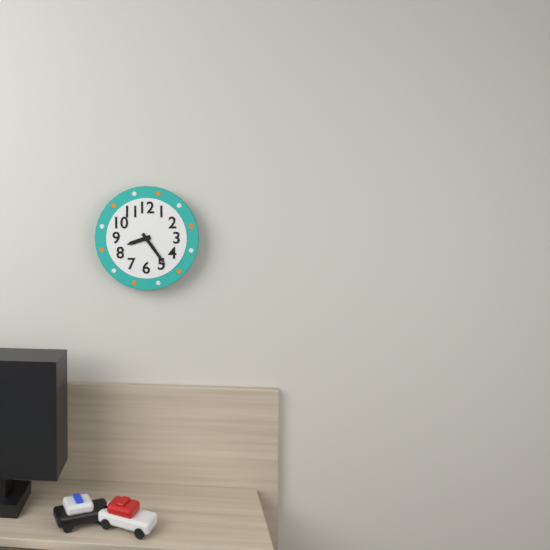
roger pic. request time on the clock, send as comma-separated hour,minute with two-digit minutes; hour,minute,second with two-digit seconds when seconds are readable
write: 8,24
